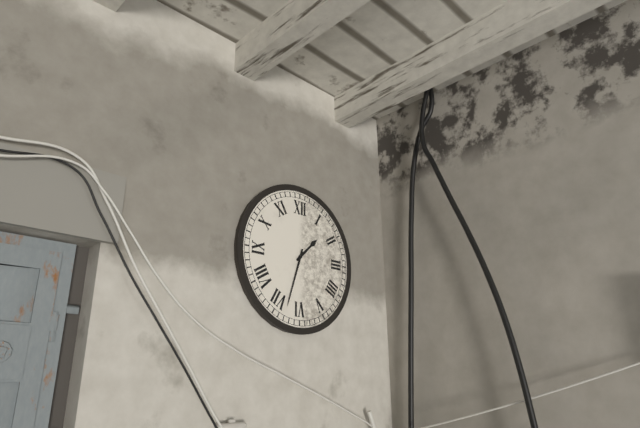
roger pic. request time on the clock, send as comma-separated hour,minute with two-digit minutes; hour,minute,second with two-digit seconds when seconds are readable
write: 1,33
